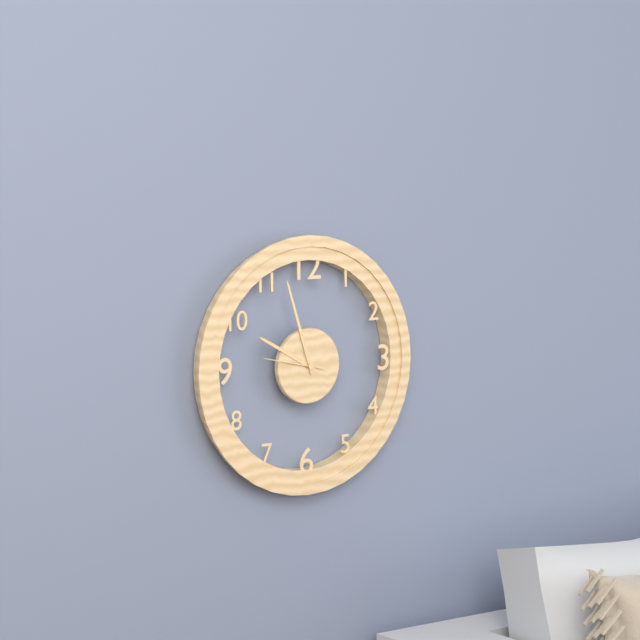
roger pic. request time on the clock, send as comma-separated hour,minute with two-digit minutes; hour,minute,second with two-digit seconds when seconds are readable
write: 9,57,47
